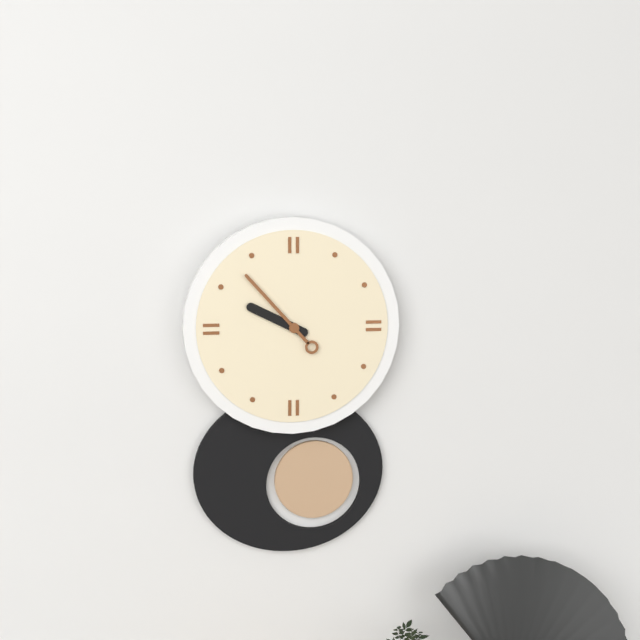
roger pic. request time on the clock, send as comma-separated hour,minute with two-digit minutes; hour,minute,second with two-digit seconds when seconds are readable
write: 9,53
